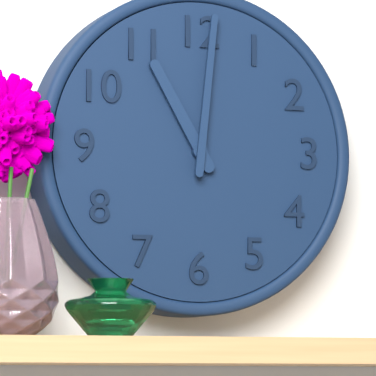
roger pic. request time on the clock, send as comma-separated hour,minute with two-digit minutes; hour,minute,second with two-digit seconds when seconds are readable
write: 11,01
